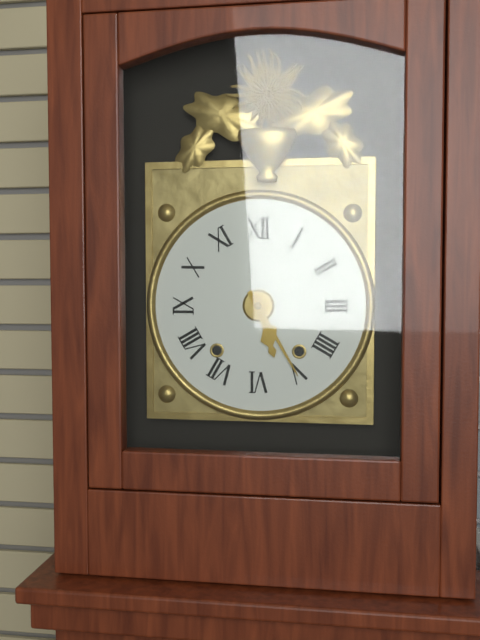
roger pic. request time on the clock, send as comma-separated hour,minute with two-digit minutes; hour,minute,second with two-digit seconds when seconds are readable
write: 5,25
